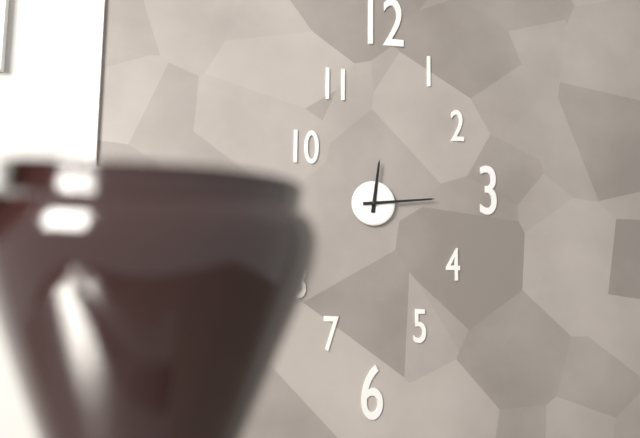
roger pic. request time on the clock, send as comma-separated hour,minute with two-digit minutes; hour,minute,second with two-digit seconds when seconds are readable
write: 12,14
